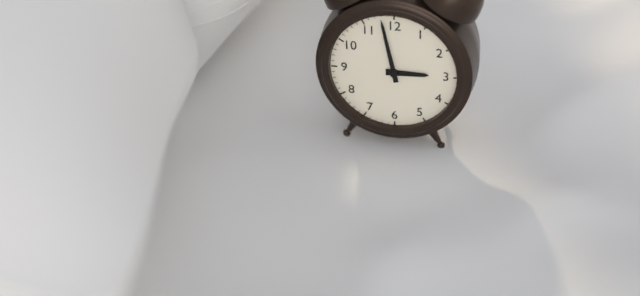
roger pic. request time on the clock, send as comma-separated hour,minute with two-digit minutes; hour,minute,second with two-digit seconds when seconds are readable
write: 2,58
